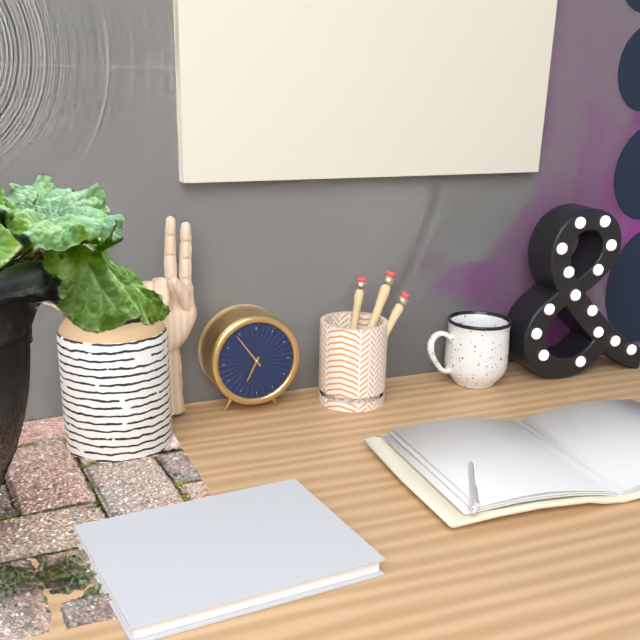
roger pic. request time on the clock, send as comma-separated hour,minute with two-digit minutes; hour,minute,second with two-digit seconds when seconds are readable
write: 6,54
